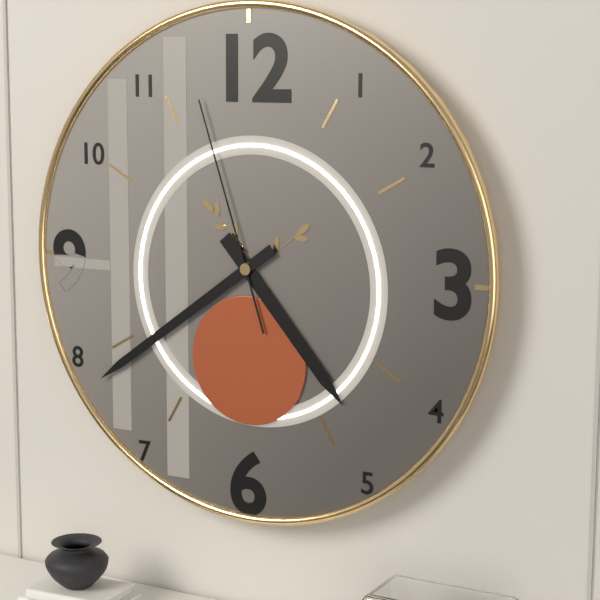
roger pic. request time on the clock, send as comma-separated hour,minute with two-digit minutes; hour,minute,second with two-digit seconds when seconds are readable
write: 4,39,57
